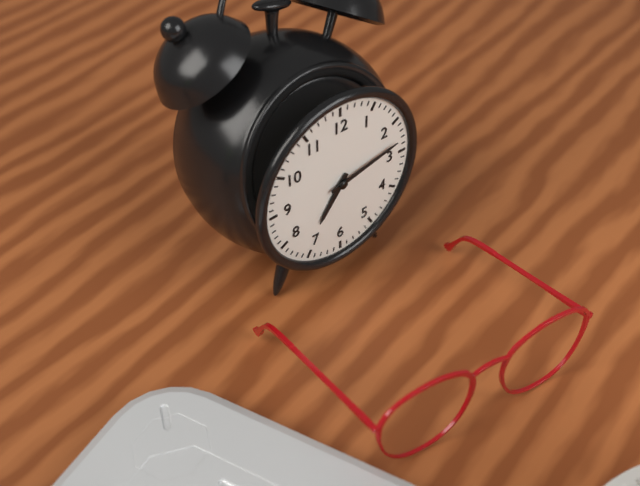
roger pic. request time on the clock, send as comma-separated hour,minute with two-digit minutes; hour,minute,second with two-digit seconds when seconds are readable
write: 7,13
